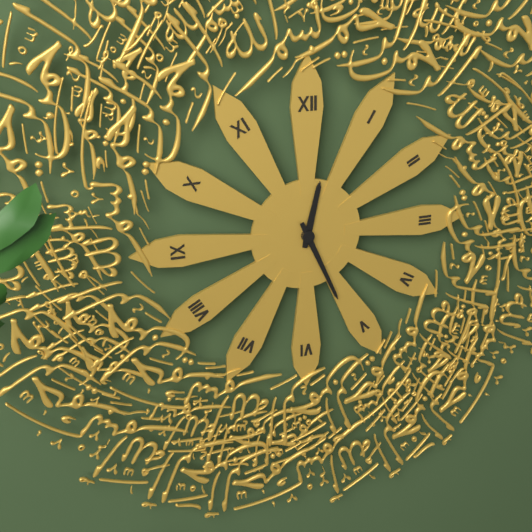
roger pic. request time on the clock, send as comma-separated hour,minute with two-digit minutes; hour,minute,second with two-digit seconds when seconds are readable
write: 12,26
